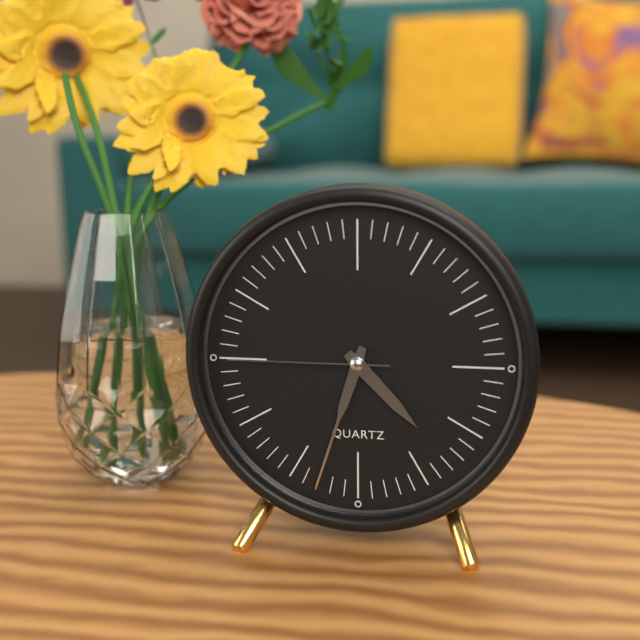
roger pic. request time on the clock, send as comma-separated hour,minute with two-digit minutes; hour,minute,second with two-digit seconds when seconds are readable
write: 4,33,45
